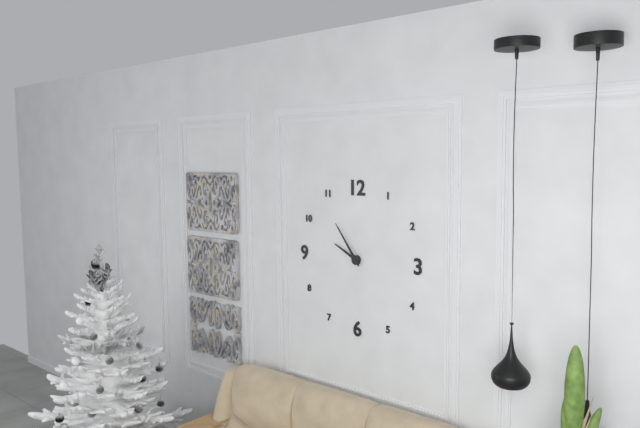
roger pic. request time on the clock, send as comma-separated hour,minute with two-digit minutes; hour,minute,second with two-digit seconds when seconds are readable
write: 9,54
